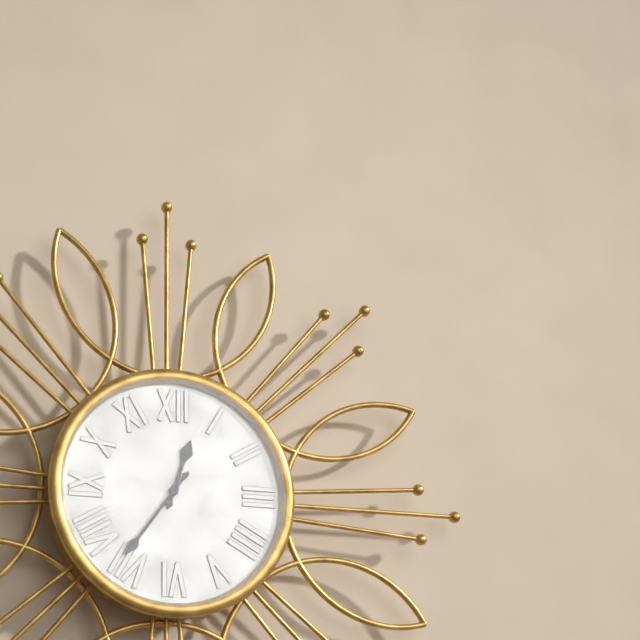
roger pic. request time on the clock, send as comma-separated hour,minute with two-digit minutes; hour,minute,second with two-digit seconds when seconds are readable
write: 12,36
